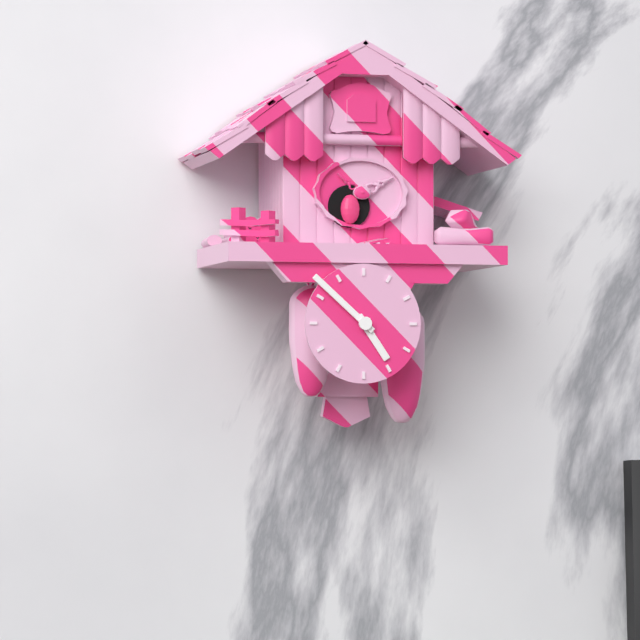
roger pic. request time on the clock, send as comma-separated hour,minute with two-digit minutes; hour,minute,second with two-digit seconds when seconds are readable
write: 4,52
